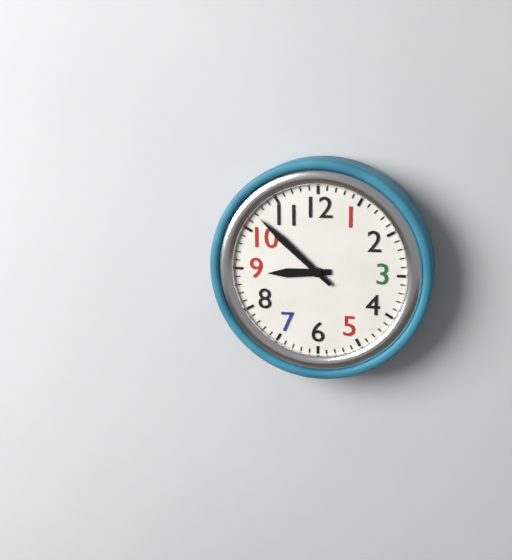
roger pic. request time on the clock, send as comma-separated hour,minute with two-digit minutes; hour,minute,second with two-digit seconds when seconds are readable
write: 8,52
